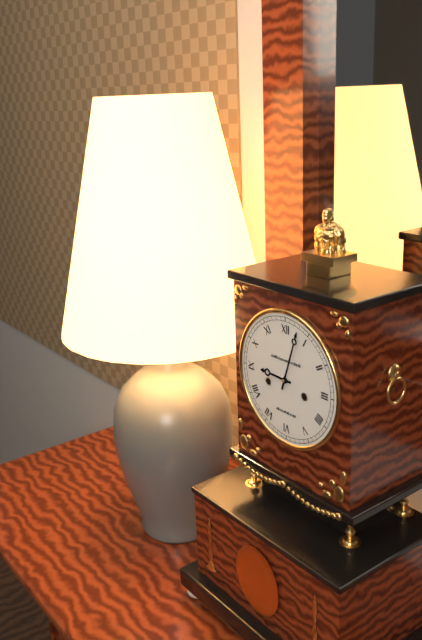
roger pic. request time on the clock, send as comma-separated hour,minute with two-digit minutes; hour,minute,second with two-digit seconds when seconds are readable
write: 9,03
